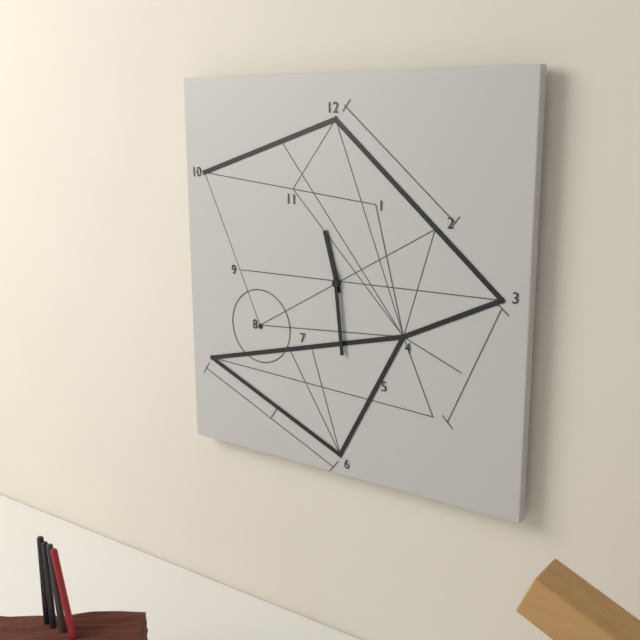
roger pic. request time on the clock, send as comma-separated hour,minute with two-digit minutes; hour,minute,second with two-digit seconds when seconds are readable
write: 11,29
